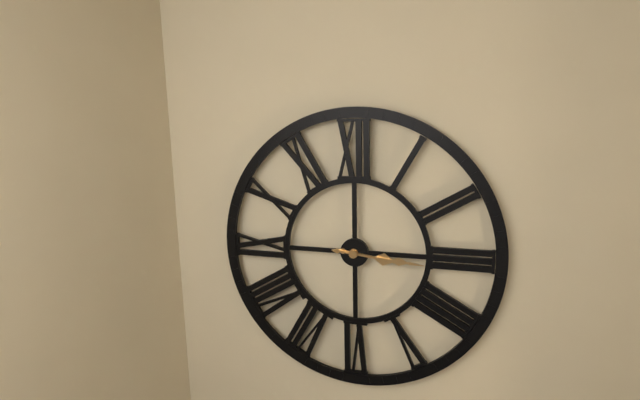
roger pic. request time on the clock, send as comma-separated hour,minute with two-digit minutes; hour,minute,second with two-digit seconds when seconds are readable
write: 3,16
